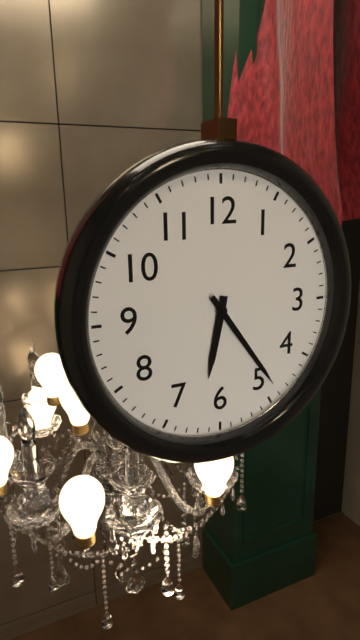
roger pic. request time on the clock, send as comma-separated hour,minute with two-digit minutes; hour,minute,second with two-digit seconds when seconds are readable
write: 6,24
